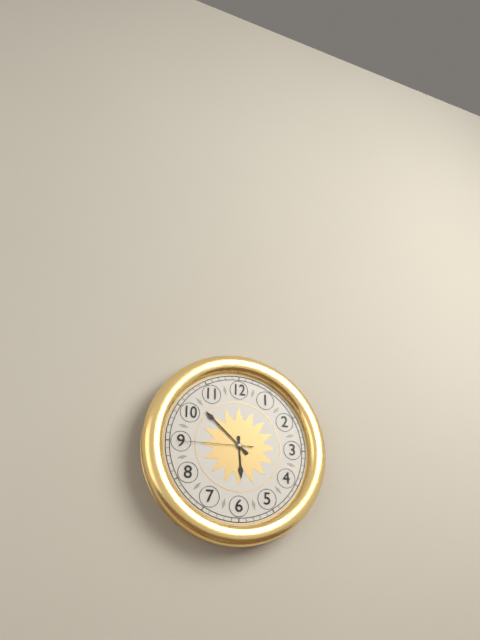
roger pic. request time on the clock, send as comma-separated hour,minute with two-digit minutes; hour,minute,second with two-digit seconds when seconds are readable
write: 5,52,45
